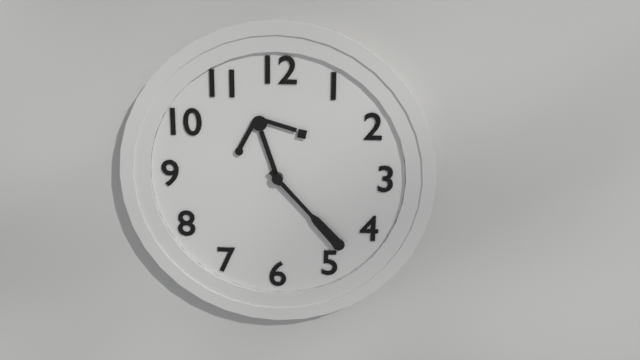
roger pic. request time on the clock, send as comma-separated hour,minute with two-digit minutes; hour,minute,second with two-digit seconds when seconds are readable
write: 11,23
